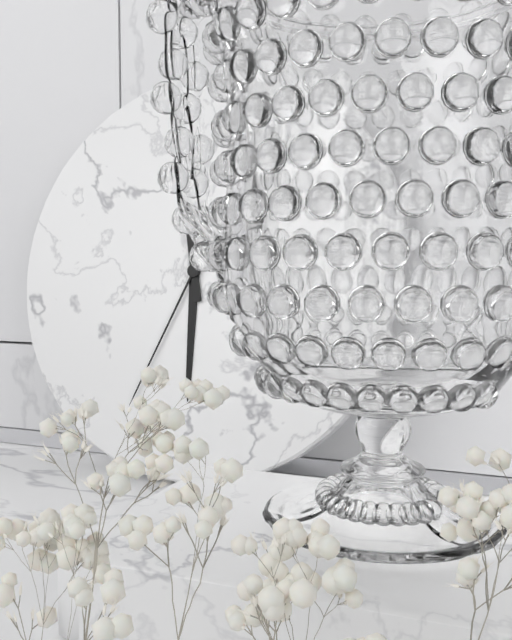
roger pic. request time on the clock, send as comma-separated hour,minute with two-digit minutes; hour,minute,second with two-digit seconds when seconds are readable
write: 5,58,34
